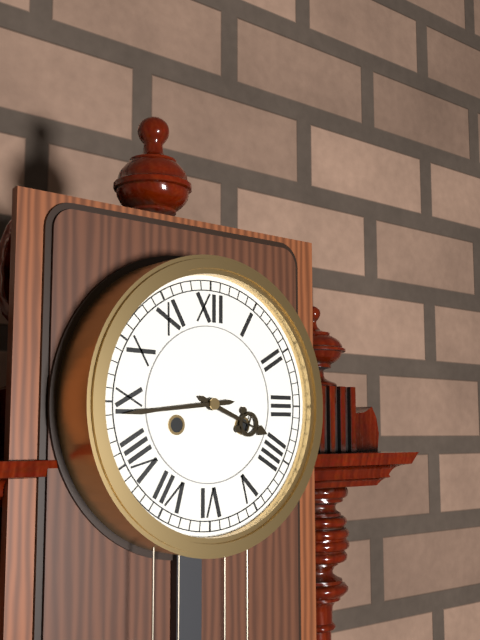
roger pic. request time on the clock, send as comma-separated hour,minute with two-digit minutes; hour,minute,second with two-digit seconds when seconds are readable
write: 3,44
